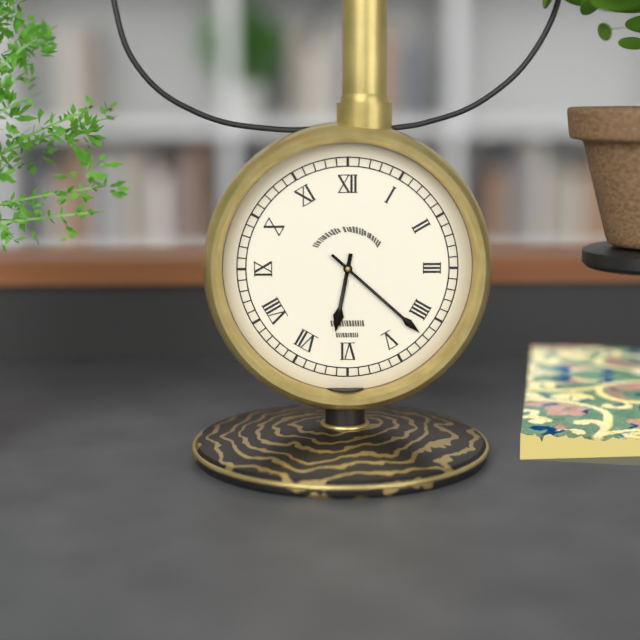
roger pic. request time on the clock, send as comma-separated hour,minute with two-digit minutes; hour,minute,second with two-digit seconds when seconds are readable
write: 6,22
